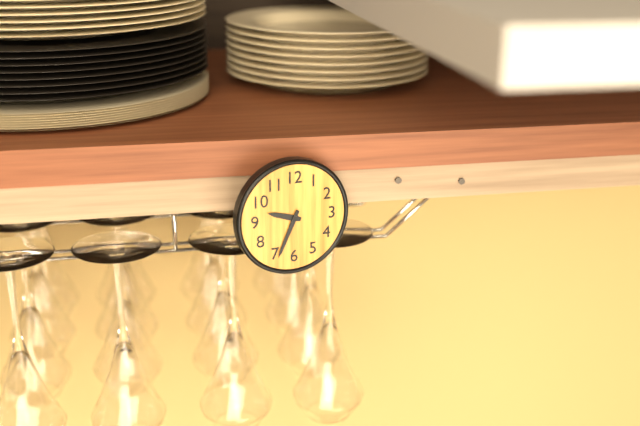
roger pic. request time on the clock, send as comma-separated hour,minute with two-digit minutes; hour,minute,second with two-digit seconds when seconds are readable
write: 9,34
